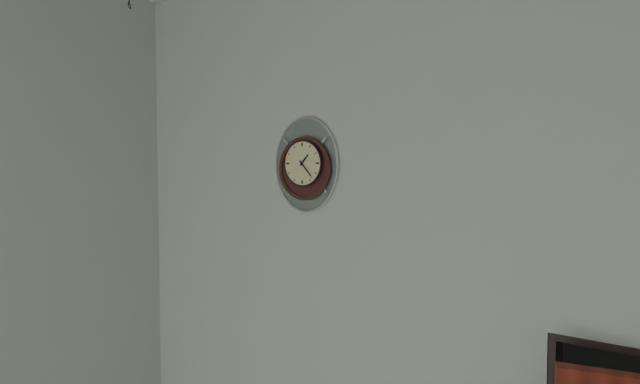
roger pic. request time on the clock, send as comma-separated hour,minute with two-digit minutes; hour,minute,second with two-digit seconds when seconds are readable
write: 1,23
